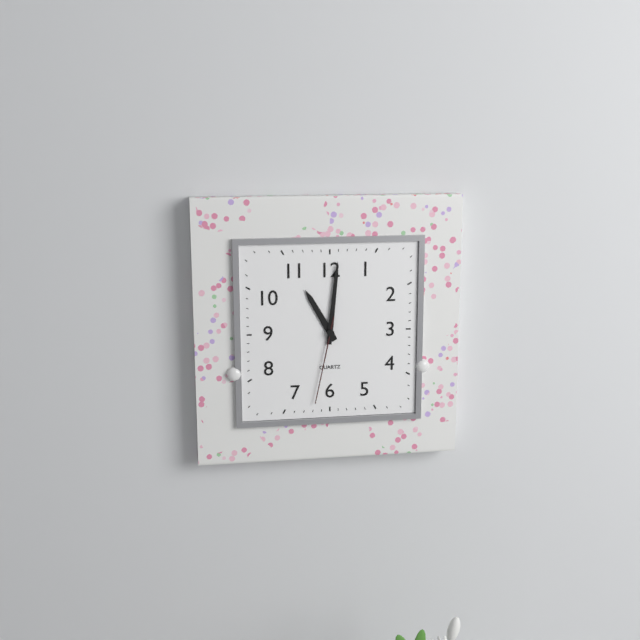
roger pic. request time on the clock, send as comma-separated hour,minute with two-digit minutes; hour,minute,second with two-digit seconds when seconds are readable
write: 11,01,32
